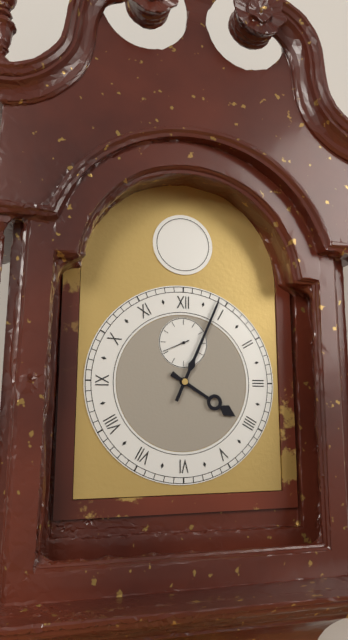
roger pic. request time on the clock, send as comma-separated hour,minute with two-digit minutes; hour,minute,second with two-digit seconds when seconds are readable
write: 4,04
